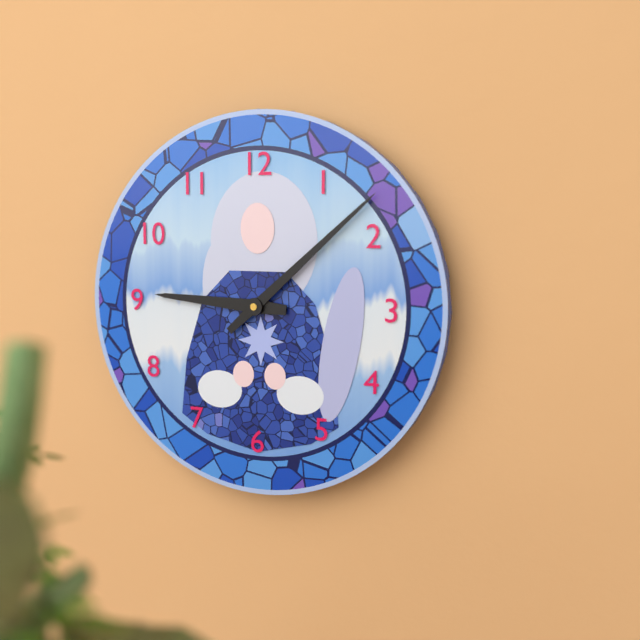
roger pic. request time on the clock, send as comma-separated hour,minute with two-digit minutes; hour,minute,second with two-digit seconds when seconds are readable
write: 9,08
